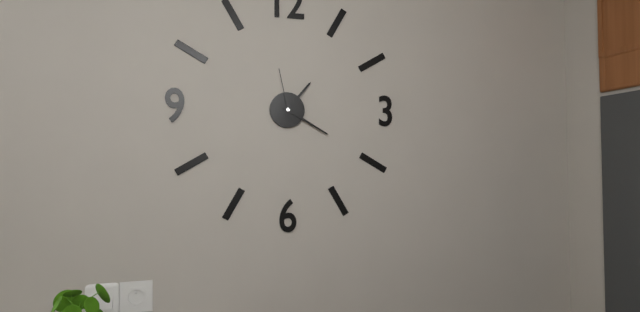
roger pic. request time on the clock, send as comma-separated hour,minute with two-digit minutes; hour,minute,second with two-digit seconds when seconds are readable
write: 1,20,58
